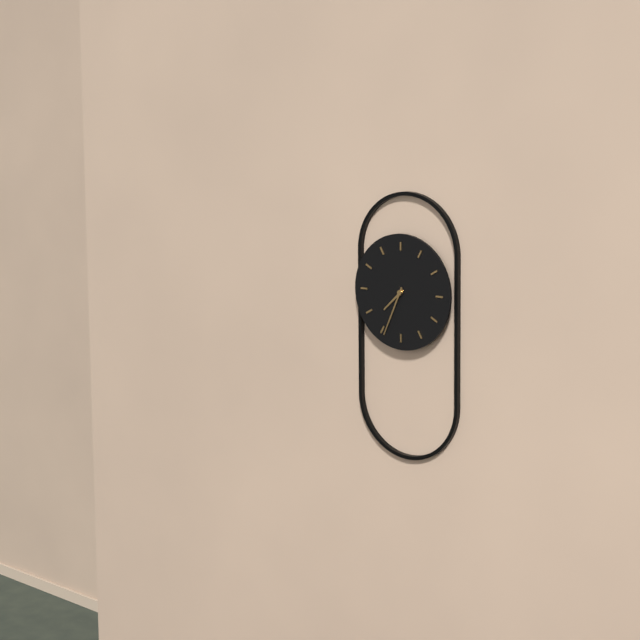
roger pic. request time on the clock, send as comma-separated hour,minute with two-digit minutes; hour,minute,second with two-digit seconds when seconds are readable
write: 7,34
